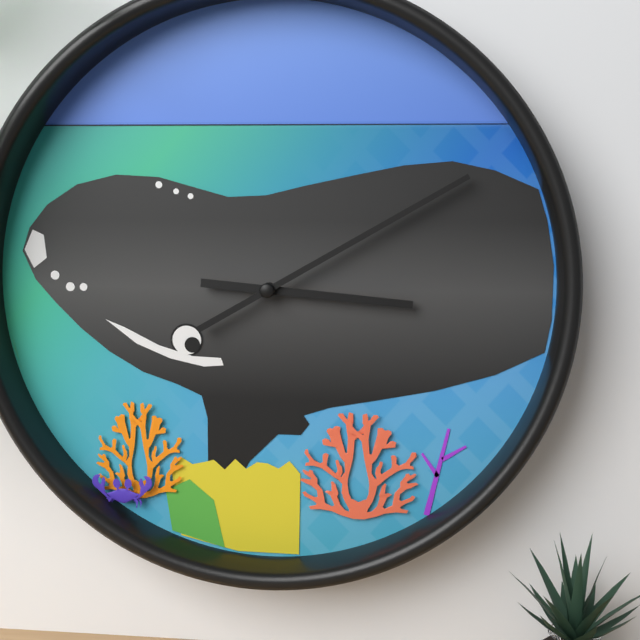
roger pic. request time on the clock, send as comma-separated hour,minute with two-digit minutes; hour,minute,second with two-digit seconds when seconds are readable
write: 3,10
